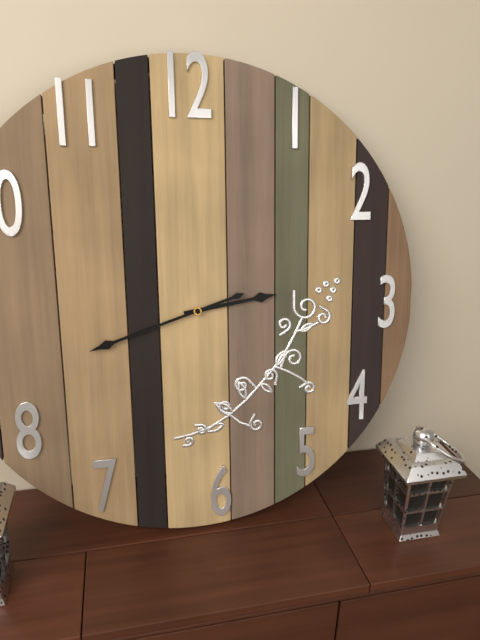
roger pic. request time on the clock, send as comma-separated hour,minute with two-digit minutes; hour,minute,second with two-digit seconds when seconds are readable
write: 2,42
